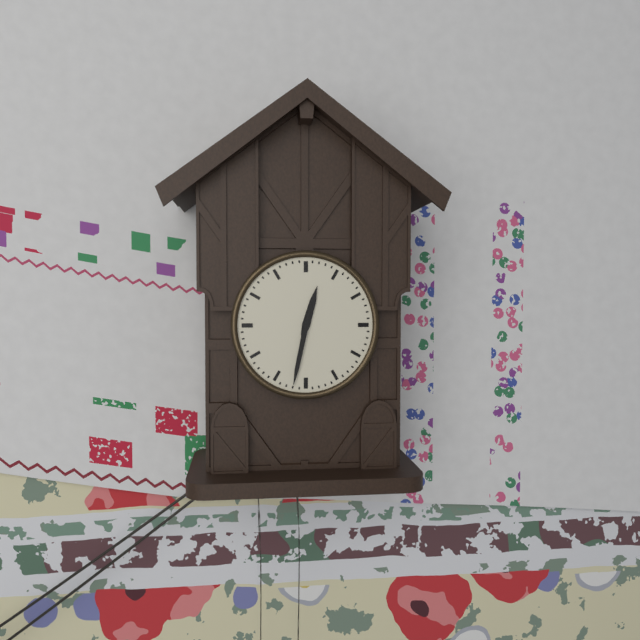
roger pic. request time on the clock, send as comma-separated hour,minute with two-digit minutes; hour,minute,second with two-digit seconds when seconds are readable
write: 12,32
